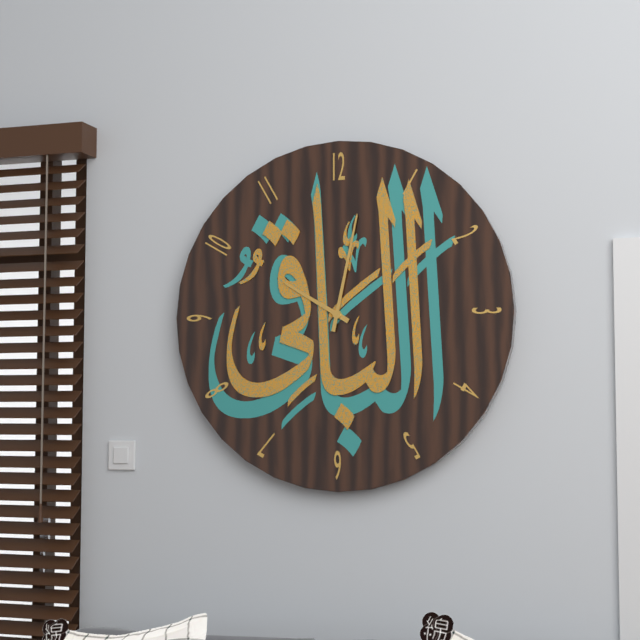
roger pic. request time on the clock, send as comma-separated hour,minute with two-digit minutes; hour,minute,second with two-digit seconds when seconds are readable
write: 10,02
